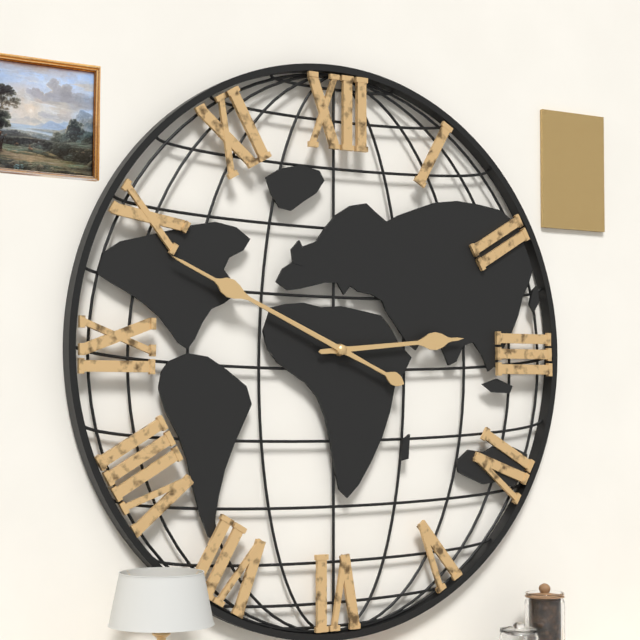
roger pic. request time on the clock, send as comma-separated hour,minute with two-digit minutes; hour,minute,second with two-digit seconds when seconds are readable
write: 2,49
